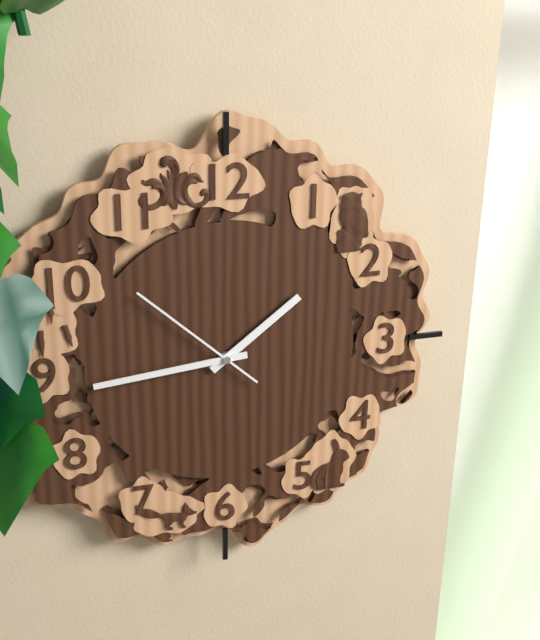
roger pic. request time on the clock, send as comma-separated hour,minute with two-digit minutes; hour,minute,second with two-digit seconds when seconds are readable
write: 1,44,52
